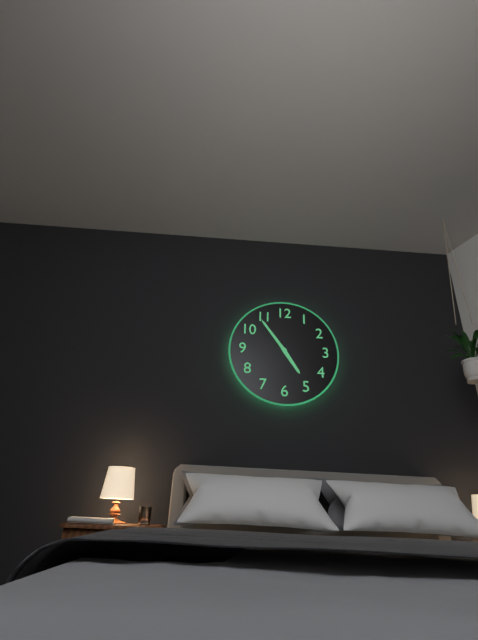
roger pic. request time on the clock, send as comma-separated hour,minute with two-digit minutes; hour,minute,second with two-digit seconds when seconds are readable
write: 4,54
